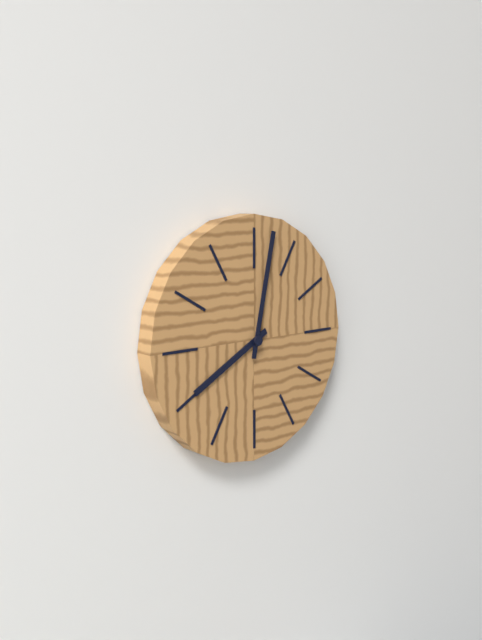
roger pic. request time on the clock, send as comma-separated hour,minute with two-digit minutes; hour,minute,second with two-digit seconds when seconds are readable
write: 8,02
